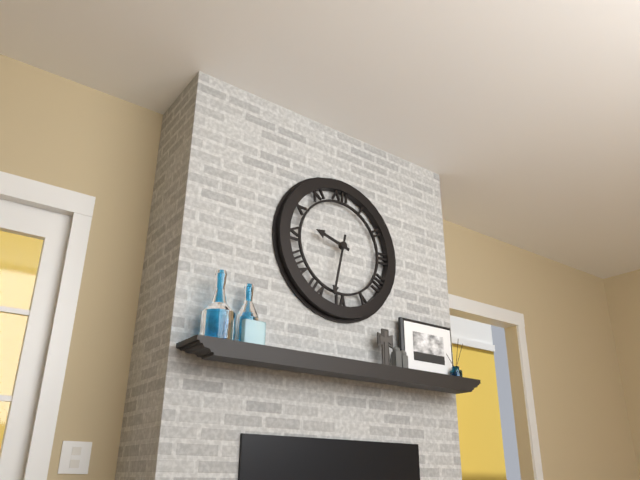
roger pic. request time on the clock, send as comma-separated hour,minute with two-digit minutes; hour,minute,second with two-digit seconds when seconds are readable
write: 9,32
